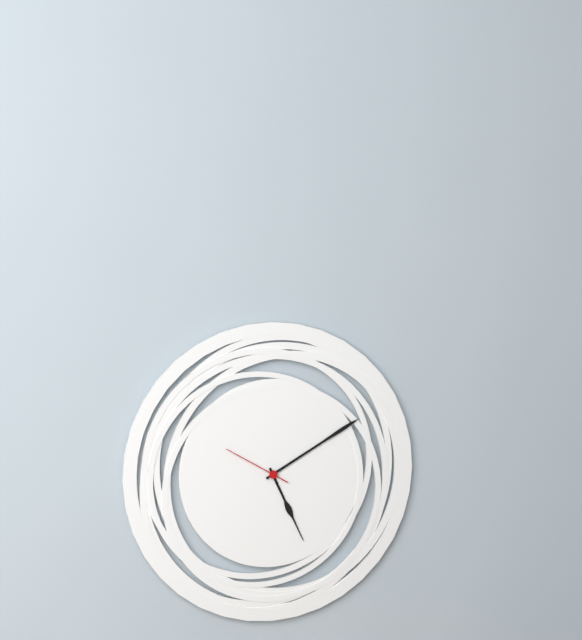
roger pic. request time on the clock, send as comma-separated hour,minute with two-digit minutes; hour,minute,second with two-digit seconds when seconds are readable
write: 5,10,50
